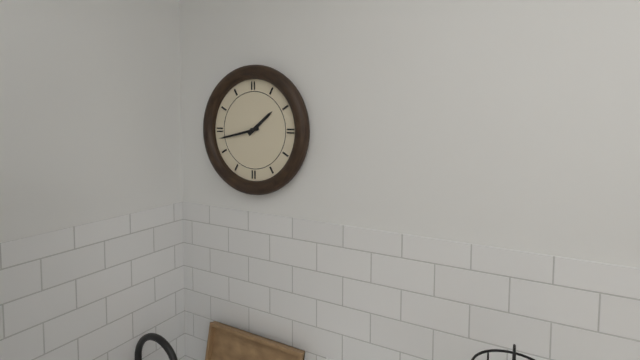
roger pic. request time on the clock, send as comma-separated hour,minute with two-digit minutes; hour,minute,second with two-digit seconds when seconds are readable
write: 1,43
